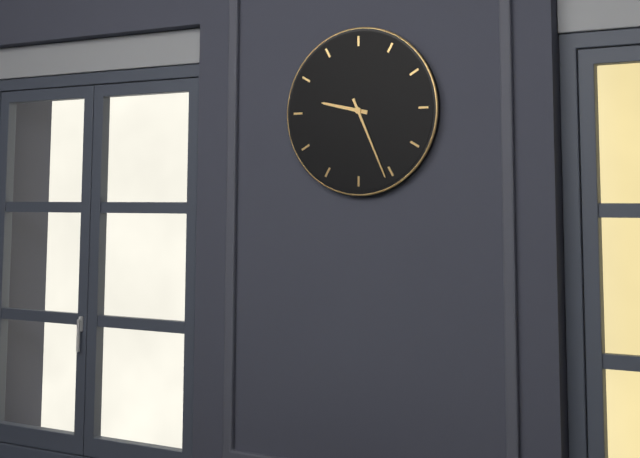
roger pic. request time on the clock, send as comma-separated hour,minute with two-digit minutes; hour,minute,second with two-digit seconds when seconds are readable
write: 9,26
